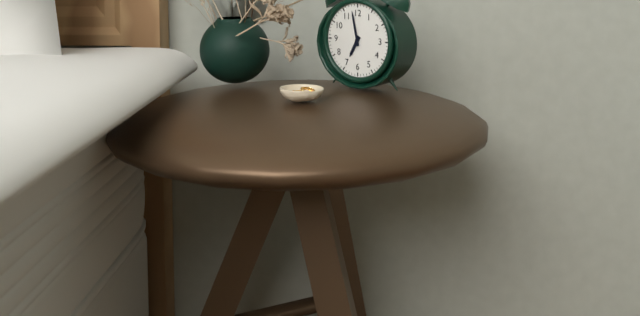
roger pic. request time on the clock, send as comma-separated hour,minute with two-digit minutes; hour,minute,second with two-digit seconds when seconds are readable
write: 6,58
